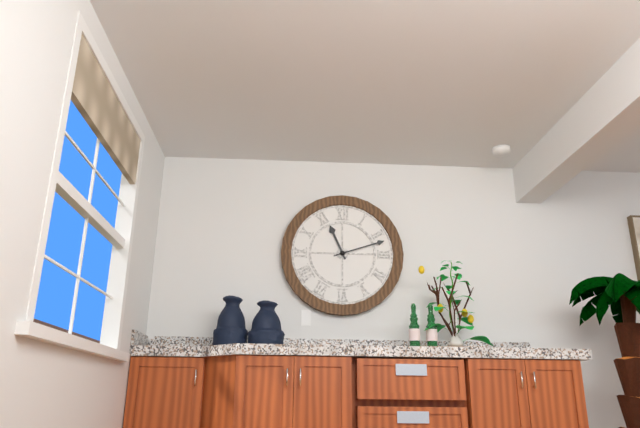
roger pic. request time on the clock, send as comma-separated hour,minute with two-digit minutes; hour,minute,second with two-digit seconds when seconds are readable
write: 11,12
